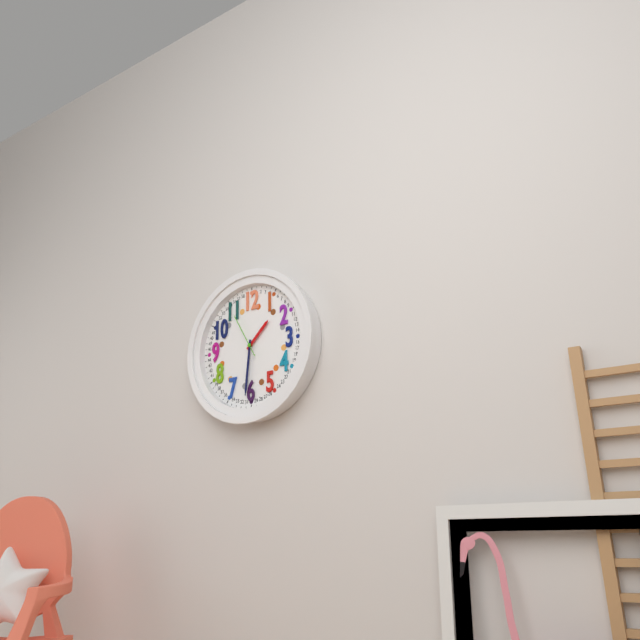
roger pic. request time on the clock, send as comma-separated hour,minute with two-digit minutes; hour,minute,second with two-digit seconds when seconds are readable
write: 1,31
